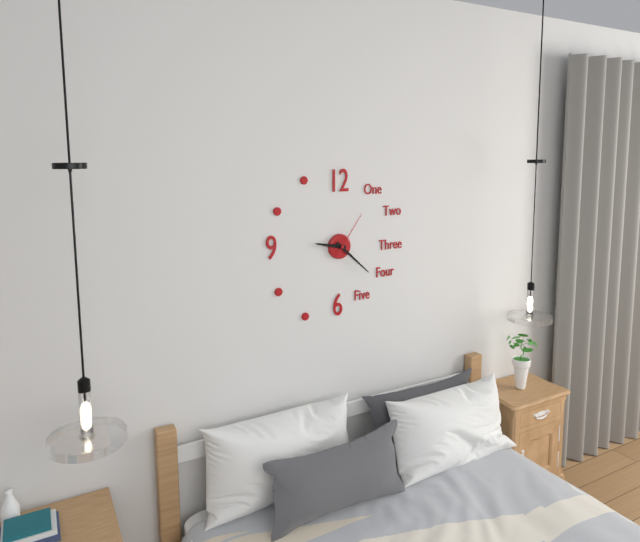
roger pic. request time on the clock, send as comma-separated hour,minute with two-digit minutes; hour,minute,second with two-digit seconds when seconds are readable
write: 9,22
